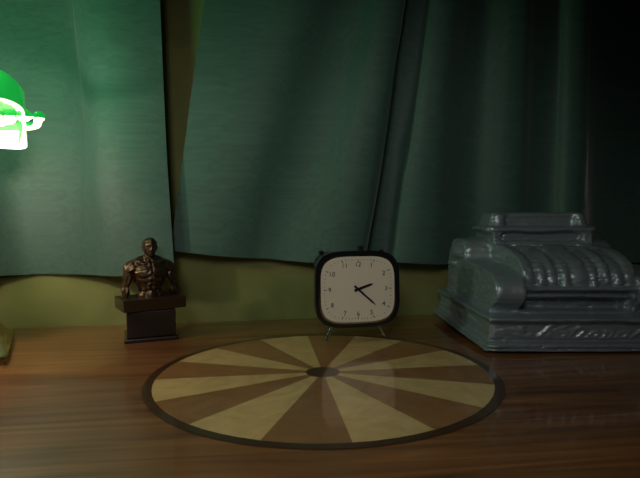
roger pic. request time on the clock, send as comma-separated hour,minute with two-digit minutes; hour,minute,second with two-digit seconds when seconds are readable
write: 2,22
